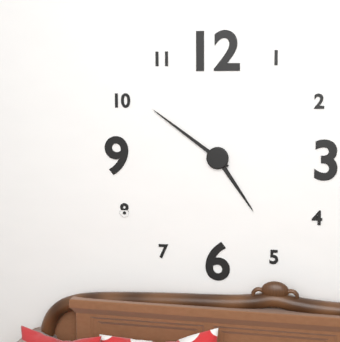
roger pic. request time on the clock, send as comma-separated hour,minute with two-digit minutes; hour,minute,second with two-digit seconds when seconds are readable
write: 4,51
